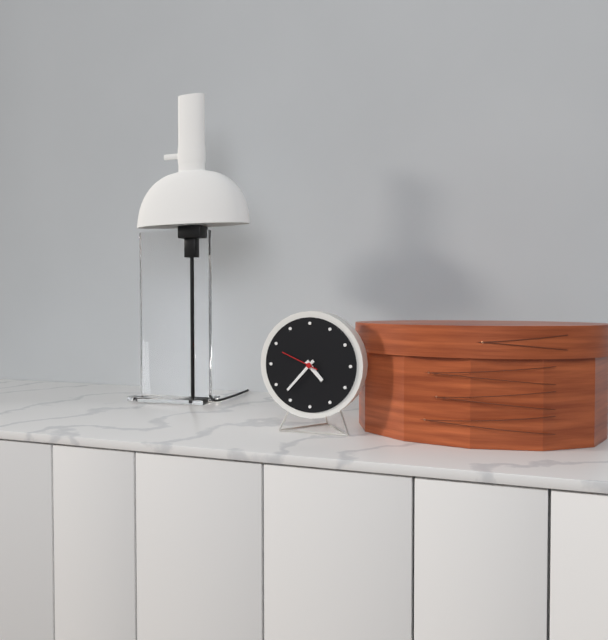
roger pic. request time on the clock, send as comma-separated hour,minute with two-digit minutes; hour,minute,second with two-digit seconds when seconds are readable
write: 4,37
